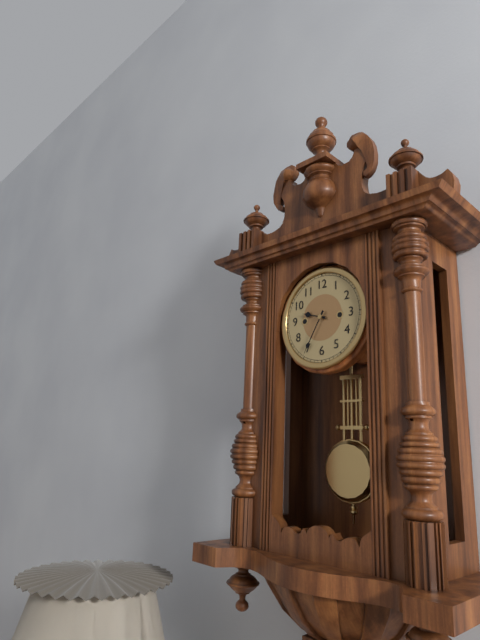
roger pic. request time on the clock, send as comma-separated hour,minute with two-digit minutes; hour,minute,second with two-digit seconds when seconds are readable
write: 9,35
